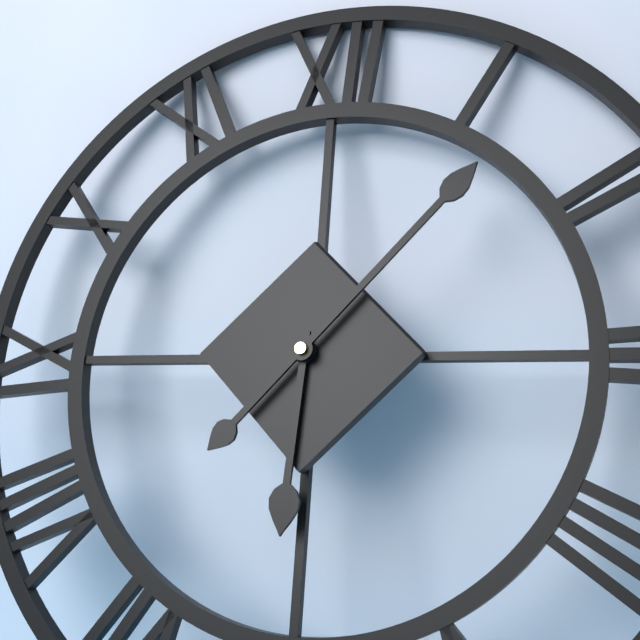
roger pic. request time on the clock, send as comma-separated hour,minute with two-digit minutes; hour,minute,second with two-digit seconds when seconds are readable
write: 6,07
